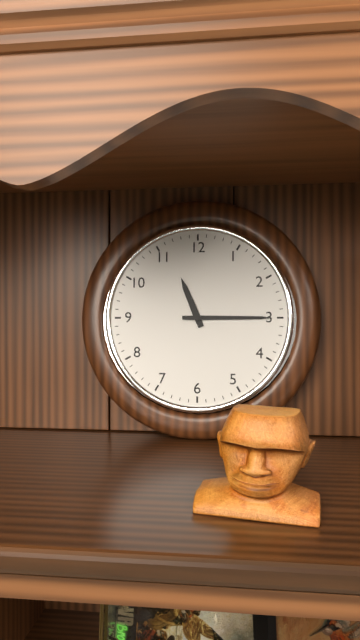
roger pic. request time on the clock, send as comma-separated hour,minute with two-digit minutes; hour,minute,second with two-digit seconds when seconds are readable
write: 11,15
